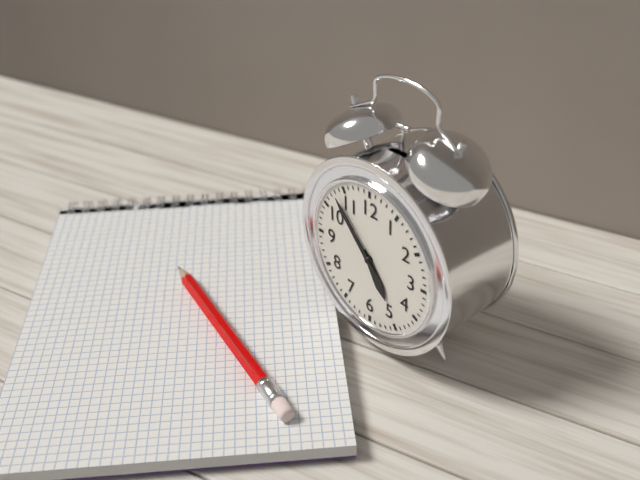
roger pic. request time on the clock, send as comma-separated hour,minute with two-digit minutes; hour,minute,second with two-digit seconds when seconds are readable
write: 4,53
